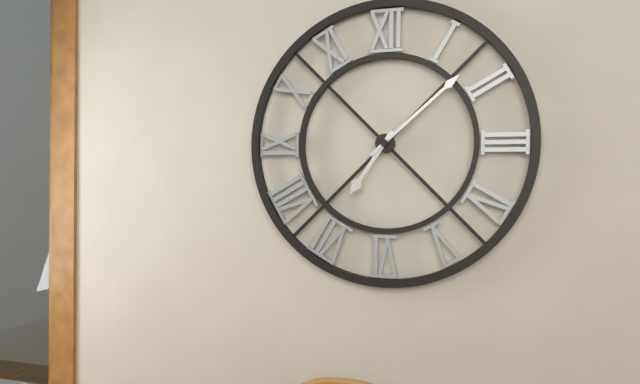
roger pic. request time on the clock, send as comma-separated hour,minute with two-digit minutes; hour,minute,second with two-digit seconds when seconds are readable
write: 7,08
